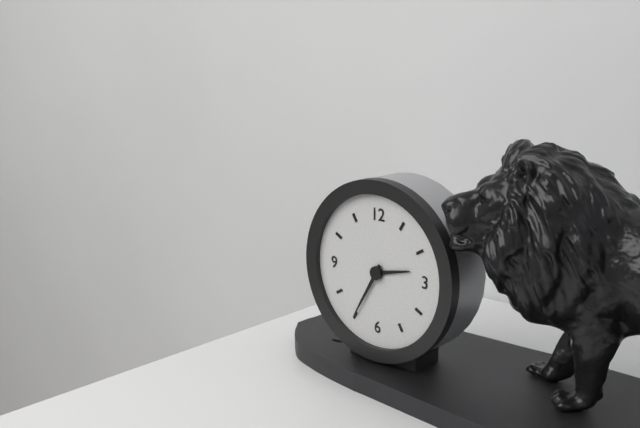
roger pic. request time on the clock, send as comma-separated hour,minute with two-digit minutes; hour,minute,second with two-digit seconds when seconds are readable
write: 2,35
